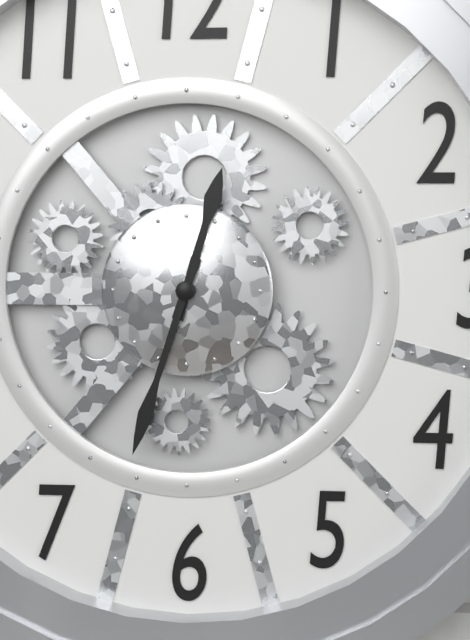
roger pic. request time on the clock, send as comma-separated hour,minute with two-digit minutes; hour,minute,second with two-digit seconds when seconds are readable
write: 12,33
